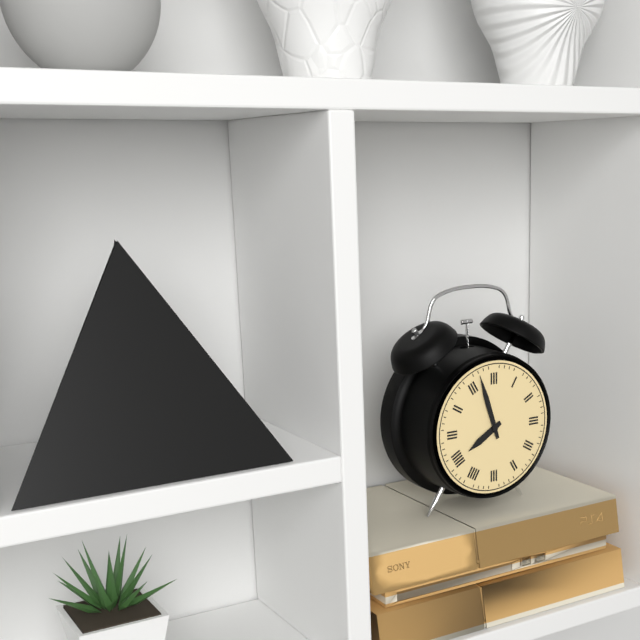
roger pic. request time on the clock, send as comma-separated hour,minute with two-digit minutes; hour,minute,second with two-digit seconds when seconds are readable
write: 7,57
